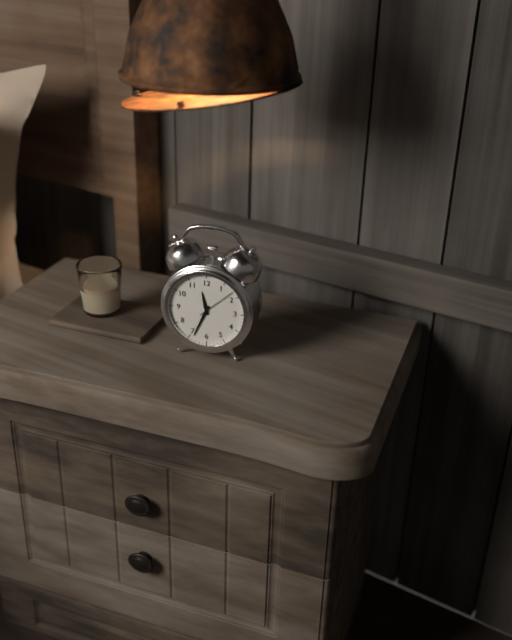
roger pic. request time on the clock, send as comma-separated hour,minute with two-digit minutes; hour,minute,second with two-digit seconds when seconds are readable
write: 11,34
